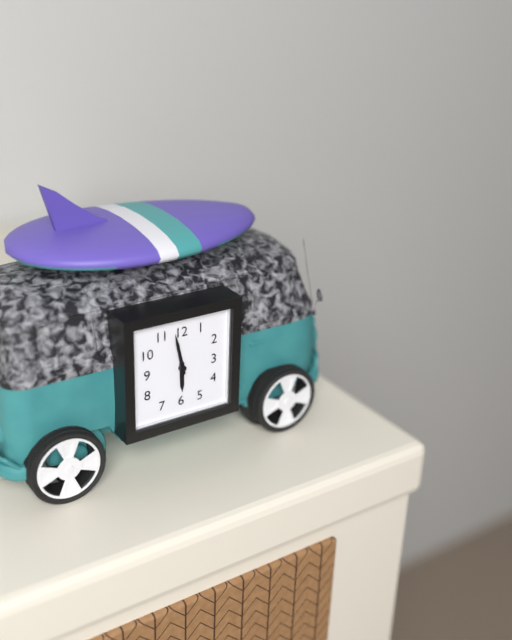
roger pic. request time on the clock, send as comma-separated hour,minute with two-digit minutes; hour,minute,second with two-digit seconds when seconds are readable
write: 5,58
